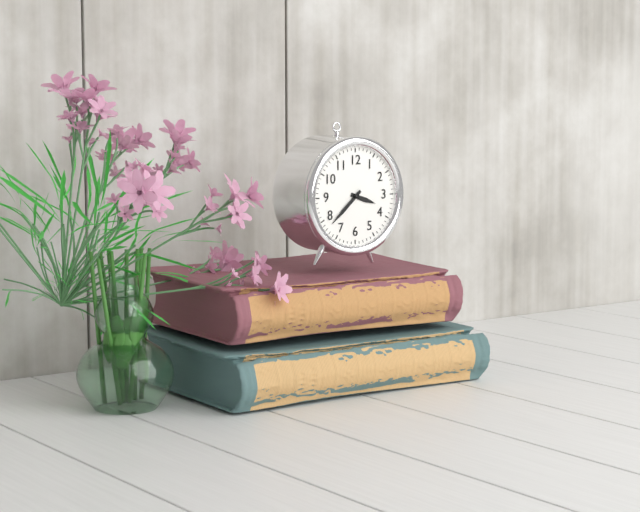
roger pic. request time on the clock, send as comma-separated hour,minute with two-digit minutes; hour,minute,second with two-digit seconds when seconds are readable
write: 3,38
